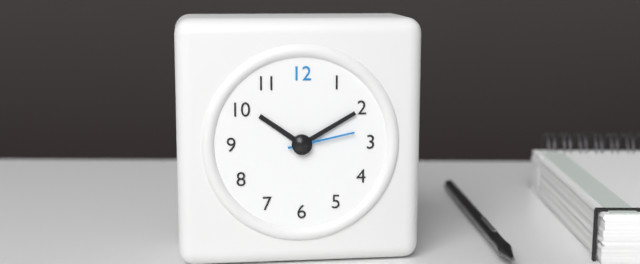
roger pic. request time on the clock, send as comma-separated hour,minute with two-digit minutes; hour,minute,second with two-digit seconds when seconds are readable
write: 10,10,13
